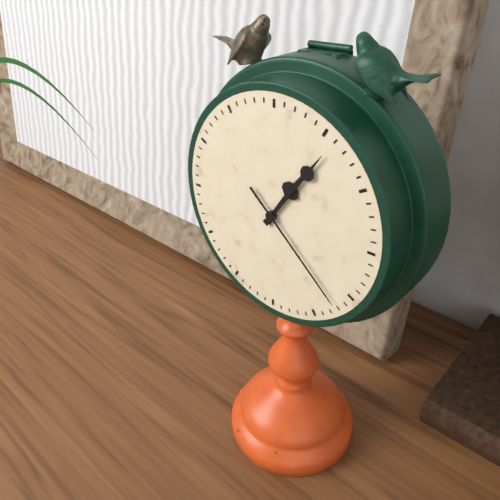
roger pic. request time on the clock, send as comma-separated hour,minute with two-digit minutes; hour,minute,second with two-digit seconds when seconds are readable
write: 1,06,22
